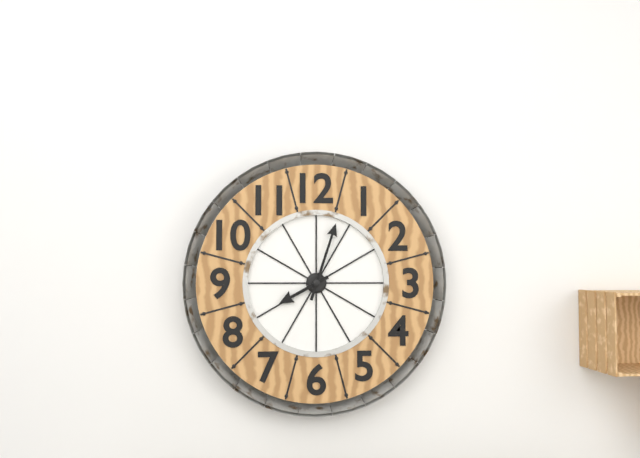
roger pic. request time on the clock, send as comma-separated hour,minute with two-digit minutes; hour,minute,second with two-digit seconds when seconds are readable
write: 8,03
